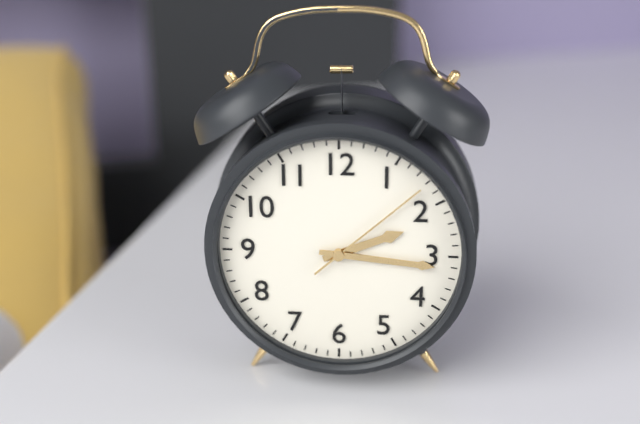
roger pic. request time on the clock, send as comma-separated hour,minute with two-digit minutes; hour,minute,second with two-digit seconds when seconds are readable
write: 2,16,08
